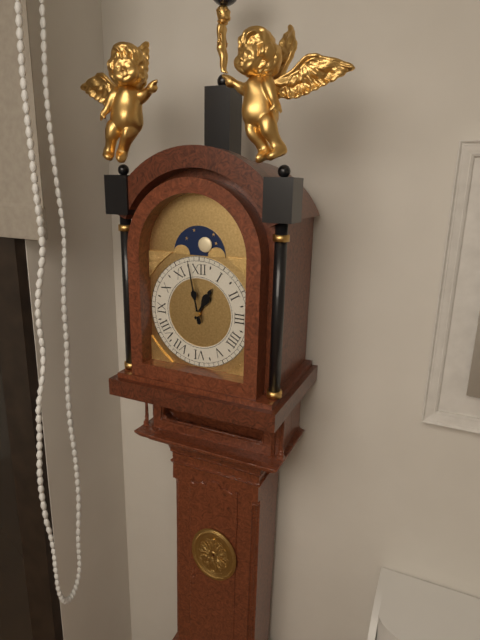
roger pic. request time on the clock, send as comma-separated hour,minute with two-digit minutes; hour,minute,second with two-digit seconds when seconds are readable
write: 12,58
